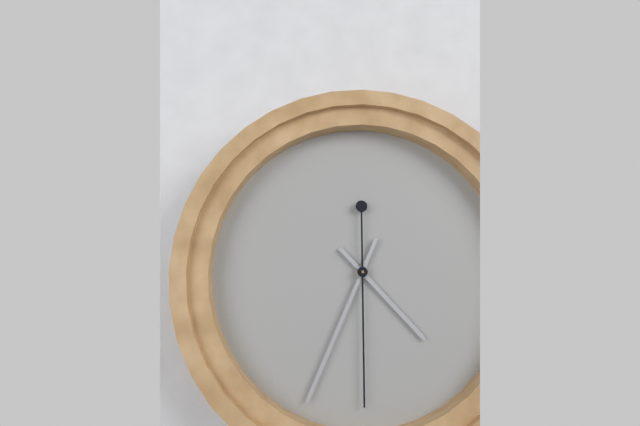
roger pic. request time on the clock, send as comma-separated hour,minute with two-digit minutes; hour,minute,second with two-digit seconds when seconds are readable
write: 4,34,30
